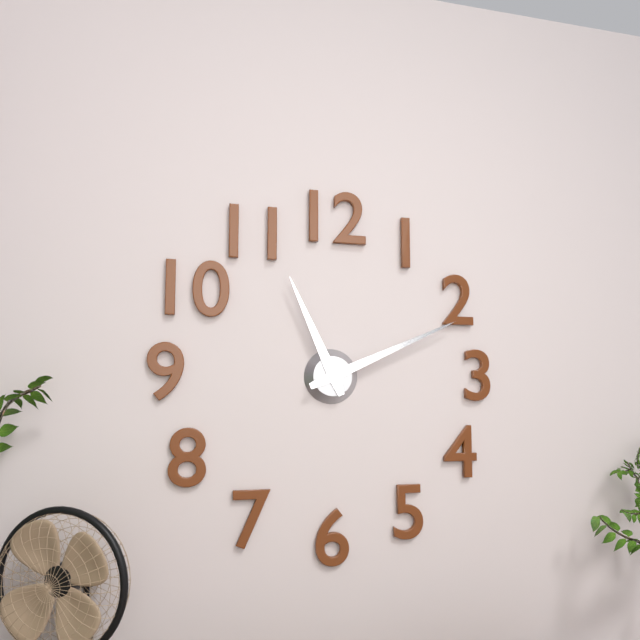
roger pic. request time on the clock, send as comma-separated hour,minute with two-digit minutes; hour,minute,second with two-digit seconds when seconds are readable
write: 11,11
